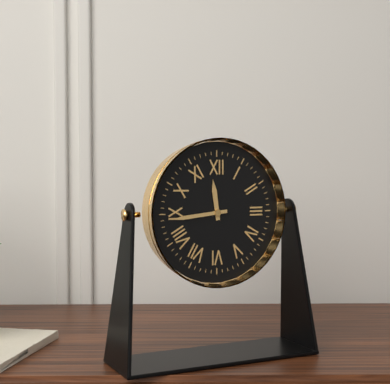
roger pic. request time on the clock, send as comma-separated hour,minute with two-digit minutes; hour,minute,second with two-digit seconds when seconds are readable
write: 11,44
